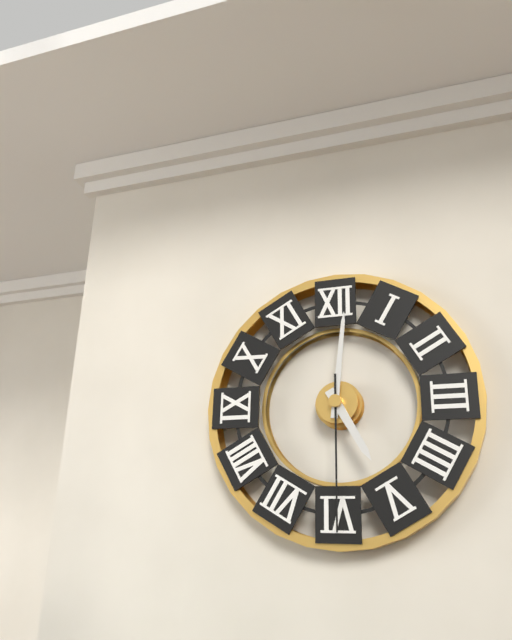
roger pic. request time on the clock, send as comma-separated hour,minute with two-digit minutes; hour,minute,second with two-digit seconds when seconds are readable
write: 5,01,30
